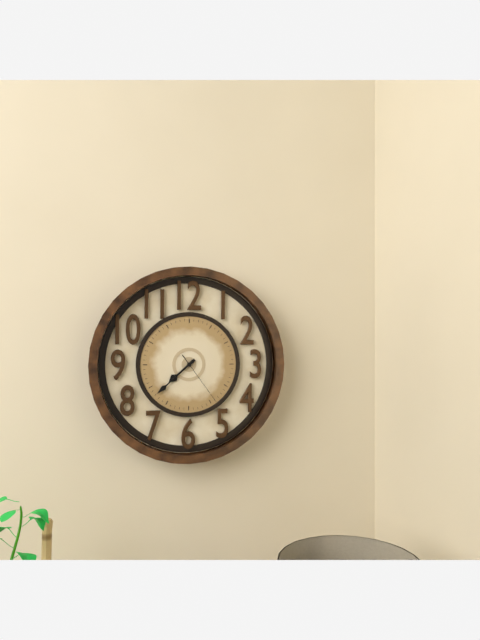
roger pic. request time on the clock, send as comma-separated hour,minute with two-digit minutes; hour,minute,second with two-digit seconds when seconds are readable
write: 7,38,24
